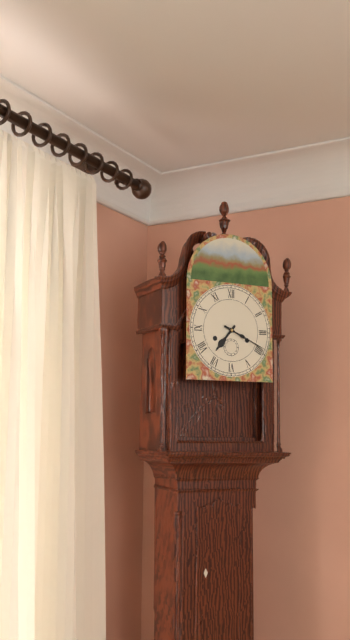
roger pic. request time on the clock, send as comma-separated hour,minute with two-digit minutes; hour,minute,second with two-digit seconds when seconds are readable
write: 7,19
